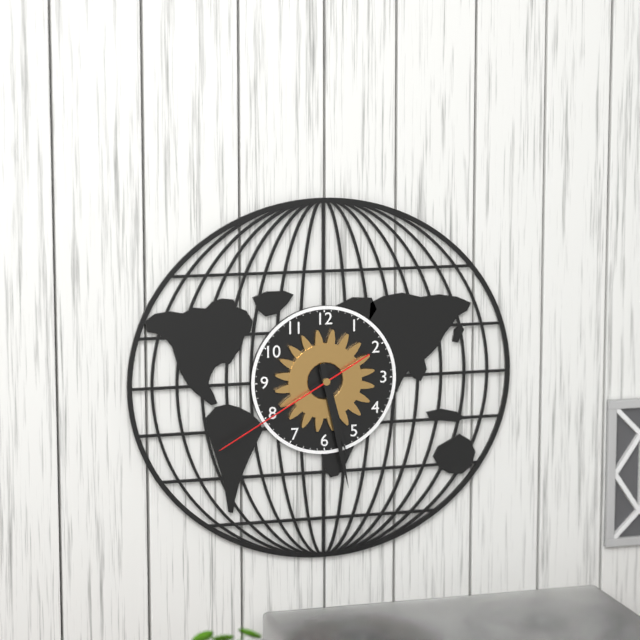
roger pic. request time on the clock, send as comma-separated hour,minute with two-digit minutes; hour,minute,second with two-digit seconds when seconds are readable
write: 5,28,40
